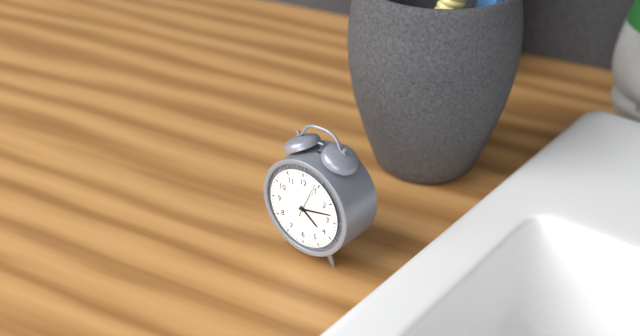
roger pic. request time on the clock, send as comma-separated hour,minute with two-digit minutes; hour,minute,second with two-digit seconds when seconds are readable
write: 4,13
